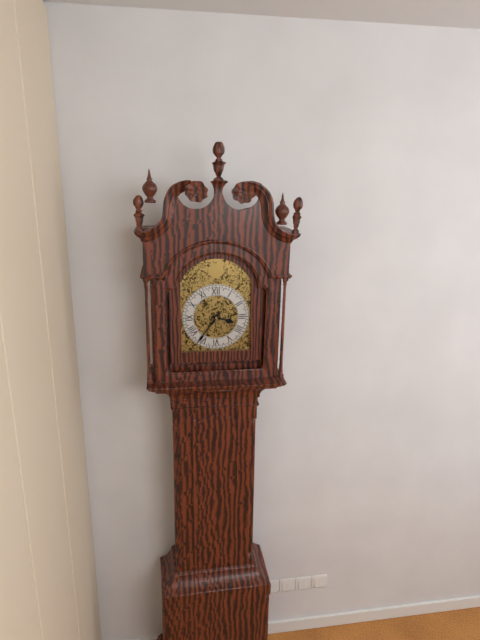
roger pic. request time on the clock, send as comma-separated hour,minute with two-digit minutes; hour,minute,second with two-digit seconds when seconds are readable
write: 3,36
